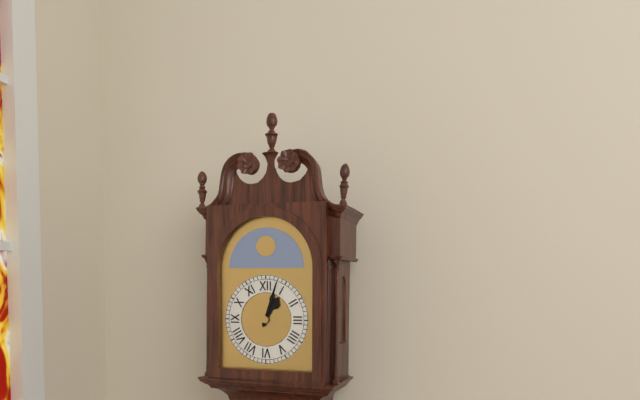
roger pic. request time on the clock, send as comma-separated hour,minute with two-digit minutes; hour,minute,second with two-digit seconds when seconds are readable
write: 1,03
